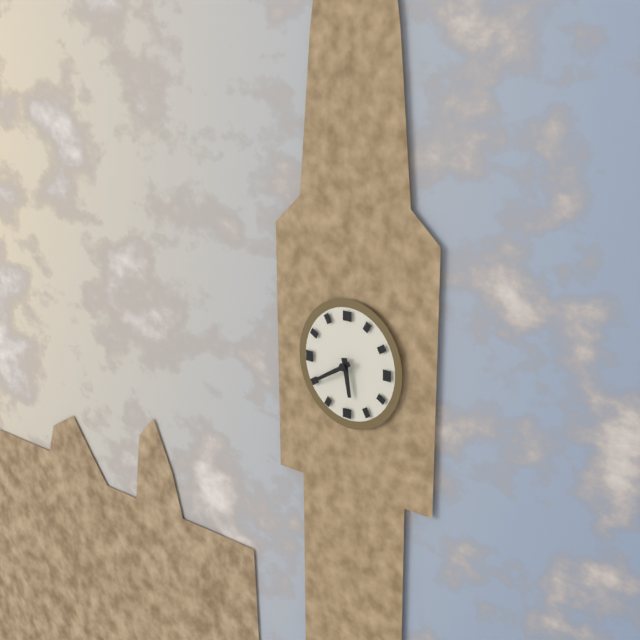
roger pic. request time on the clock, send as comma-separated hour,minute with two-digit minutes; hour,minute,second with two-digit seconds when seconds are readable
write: 5,40
